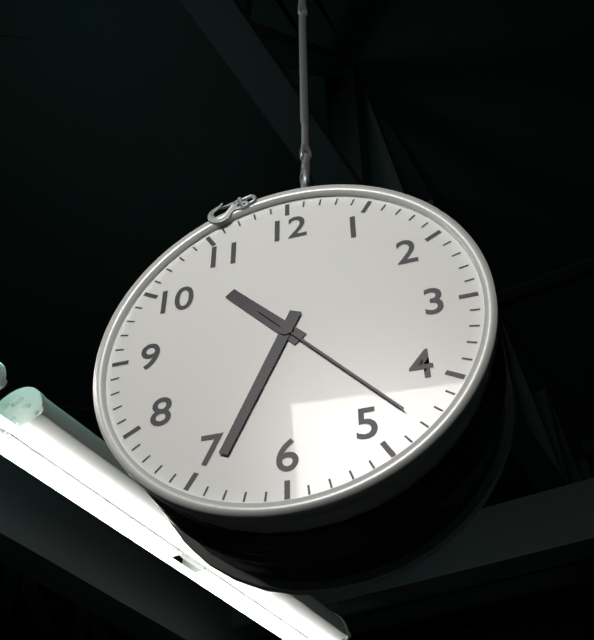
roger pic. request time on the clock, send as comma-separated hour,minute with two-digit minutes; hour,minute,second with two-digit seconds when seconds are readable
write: 10,34,23
